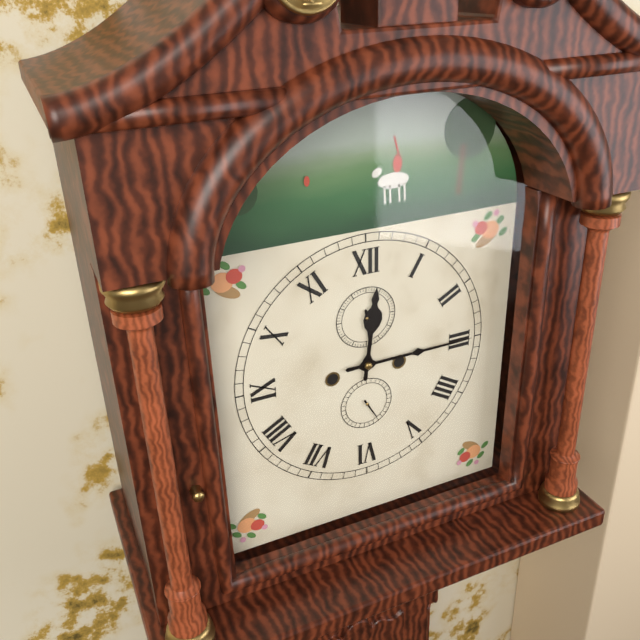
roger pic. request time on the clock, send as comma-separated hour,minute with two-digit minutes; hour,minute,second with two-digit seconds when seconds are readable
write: 12,15
